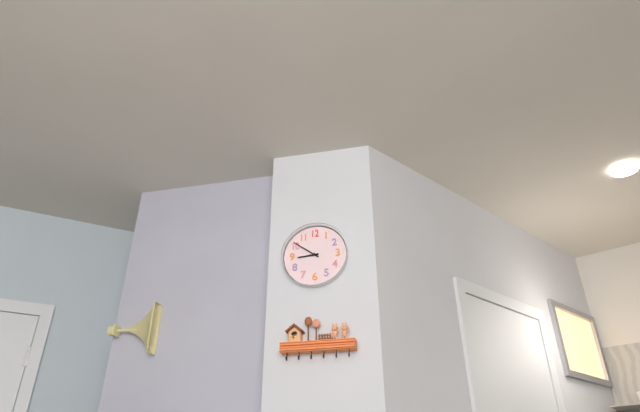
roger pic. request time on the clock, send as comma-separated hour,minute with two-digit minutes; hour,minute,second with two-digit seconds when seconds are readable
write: 8,51
